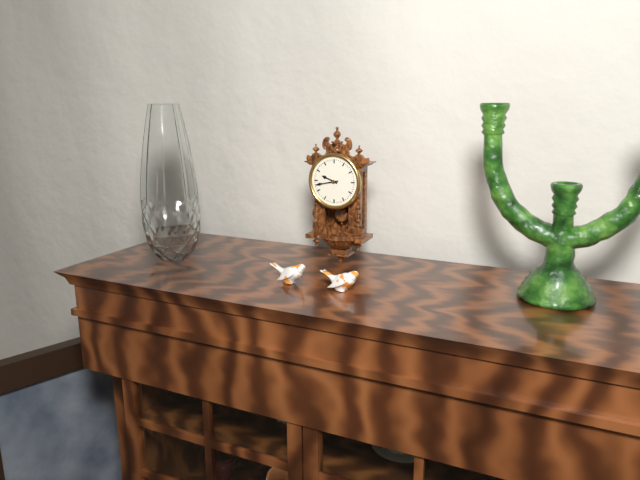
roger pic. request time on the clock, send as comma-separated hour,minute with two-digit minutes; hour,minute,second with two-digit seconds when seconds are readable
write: 9,43
